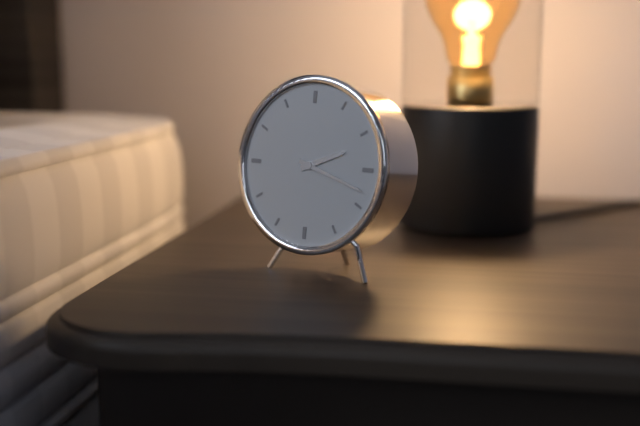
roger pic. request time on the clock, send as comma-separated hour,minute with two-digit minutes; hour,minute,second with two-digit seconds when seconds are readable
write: 2,18
